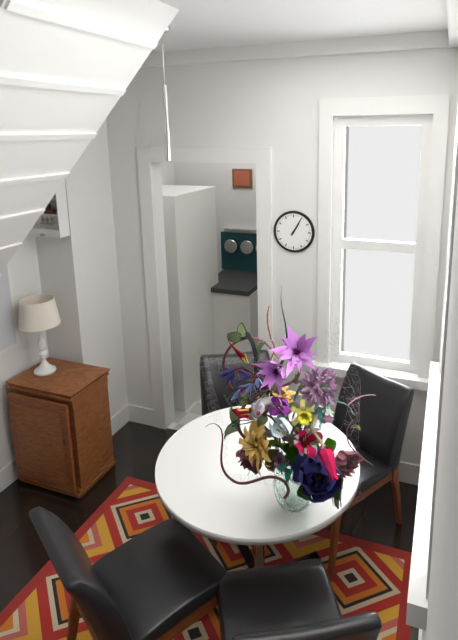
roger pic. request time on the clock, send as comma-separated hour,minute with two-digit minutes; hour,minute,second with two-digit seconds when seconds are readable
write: 1,05
